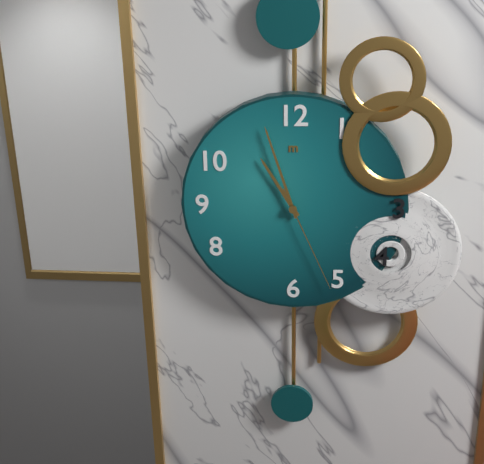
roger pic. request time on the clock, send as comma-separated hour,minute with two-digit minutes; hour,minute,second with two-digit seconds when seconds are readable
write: 10,57,26
